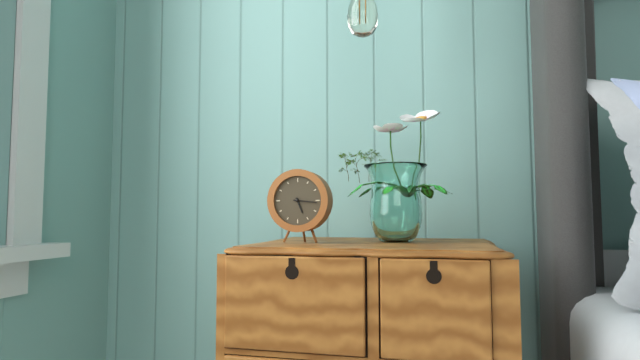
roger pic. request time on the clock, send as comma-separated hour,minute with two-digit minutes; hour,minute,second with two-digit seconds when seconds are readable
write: 5,16
